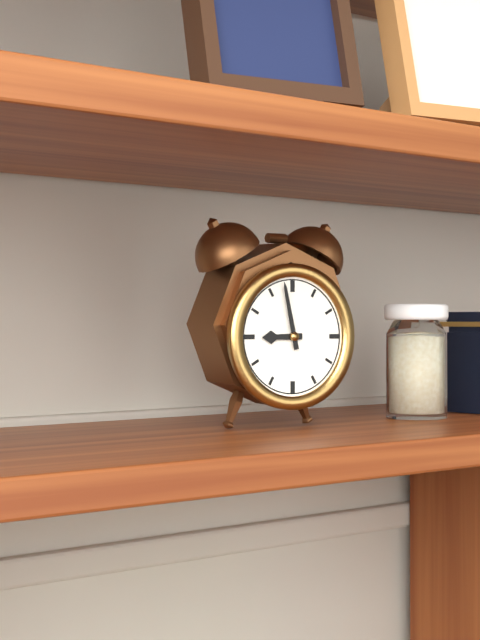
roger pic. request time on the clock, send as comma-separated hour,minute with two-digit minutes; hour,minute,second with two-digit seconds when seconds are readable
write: 8,58
